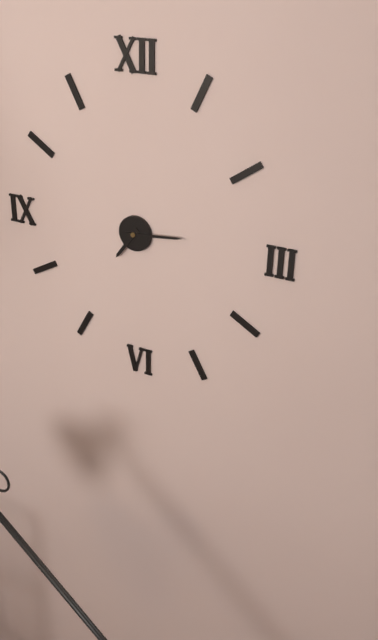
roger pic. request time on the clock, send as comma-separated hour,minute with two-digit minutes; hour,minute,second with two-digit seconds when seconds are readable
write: 7,14
